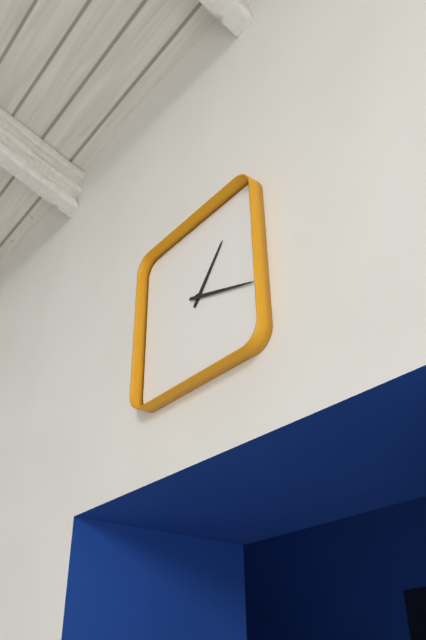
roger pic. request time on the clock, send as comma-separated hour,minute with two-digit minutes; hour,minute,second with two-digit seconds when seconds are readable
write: 1,18
